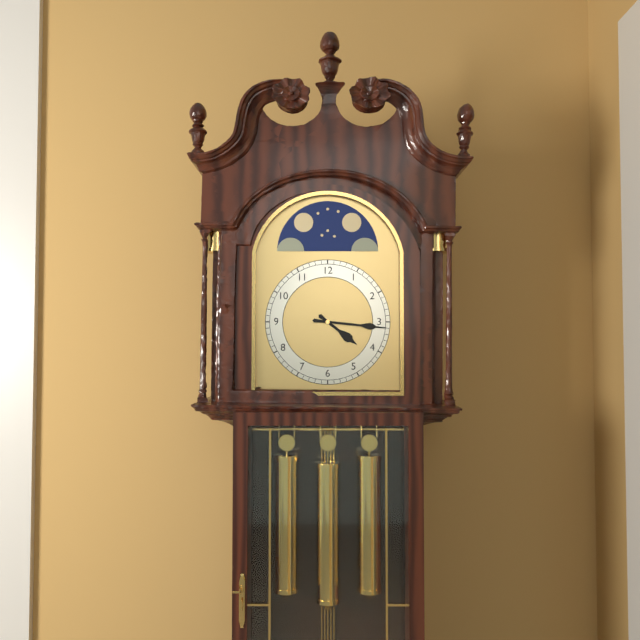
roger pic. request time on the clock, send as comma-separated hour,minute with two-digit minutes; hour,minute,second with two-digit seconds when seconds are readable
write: 4,16
